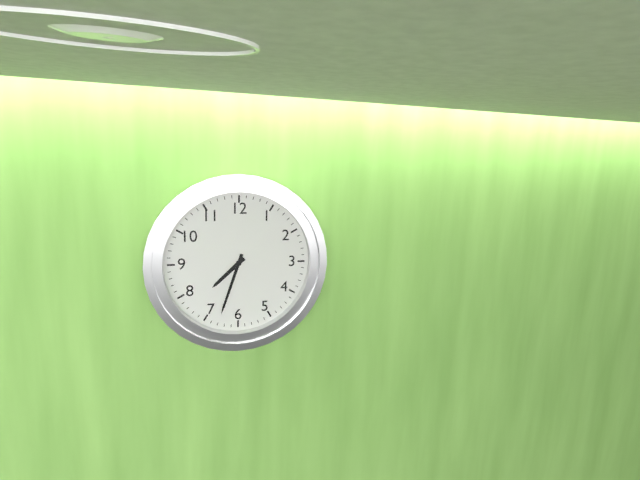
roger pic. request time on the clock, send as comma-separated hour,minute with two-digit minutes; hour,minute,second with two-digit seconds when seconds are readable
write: 7,33
